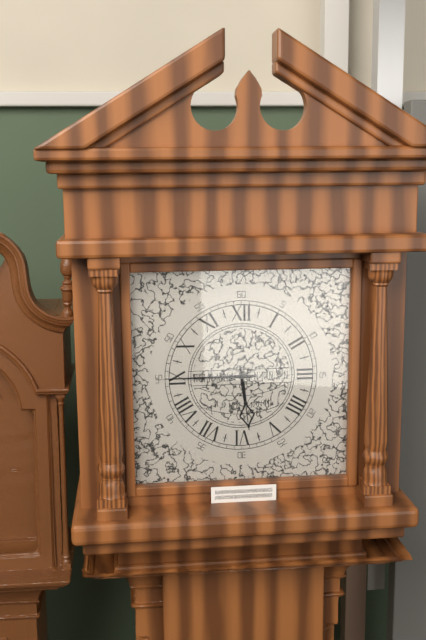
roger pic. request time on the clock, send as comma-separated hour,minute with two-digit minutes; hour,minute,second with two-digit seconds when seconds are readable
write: 5,45
